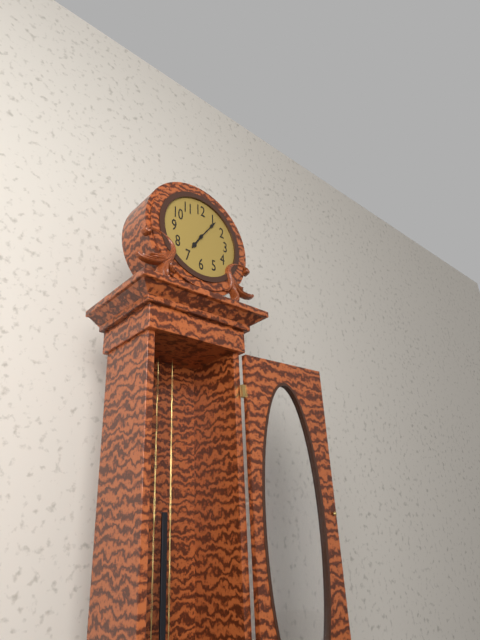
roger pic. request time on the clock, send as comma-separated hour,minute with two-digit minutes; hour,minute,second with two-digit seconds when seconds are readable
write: 7,06
